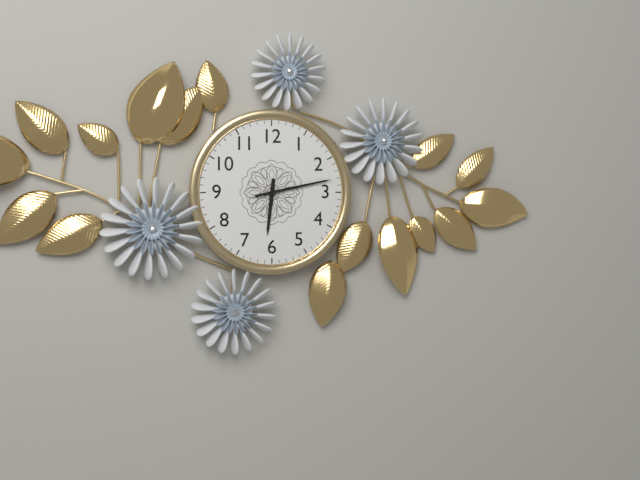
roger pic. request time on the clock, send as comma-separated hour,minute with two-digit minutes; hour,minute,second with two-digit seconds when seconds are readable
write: 6,13
